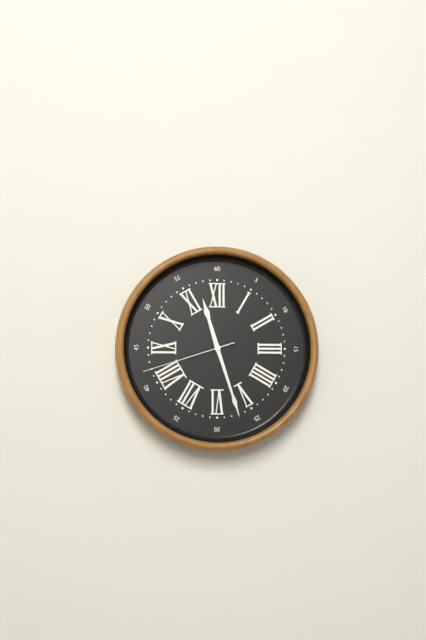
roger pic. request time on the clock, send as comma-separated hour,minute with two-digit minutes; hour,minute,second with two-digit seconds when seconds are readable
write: 11,27,42
